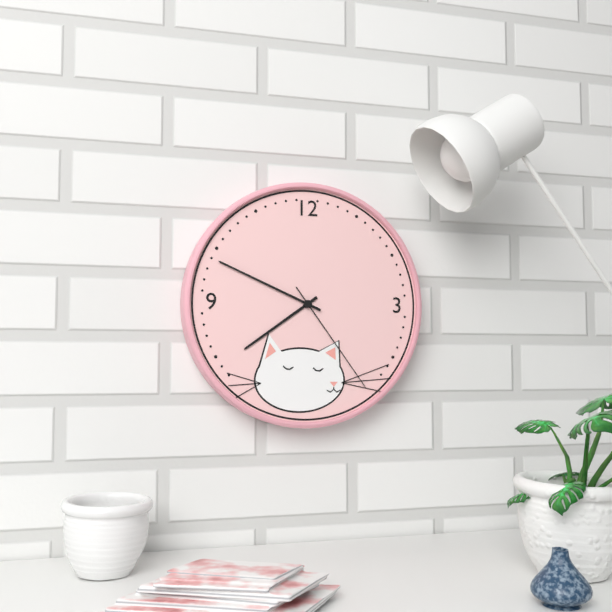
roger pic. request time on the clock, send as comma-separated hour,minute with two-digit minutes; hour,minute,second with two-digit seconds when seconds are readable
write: 7,49,24
